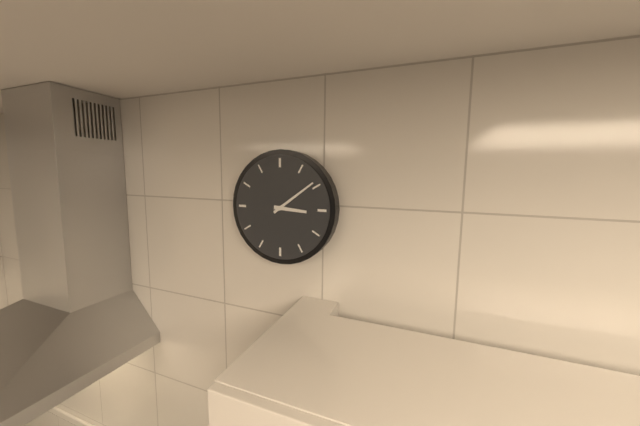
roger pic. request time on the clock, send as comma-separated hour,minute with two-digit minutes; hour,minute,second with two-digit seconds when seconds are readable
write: 3,09
